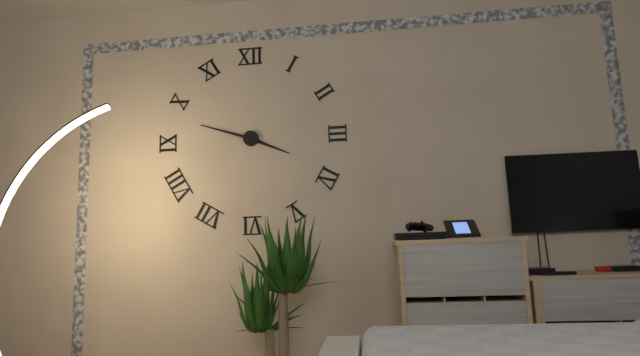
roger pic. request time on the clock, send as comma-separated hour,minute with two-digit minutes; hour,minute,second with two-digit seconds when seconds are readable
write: 3,48
